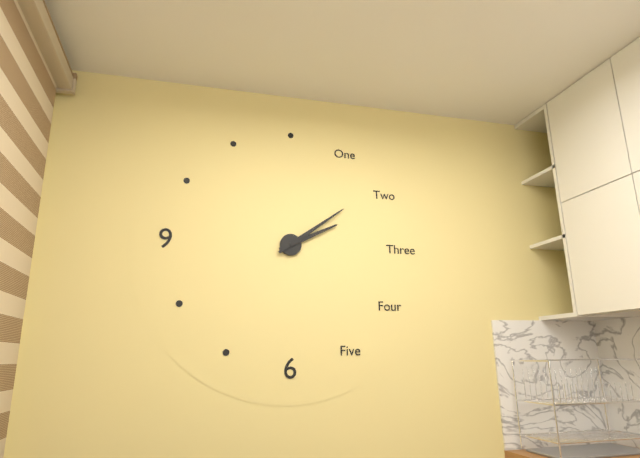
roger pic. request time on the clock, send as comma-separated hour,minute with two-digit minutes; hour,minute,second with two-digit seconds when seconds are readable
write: 2,09
